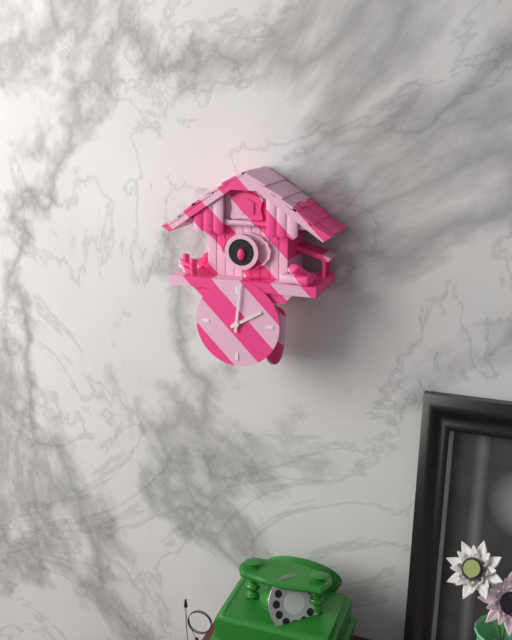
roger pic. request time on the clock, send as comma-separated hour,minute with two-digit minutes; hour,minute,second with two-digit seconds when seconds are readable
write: 2,01
